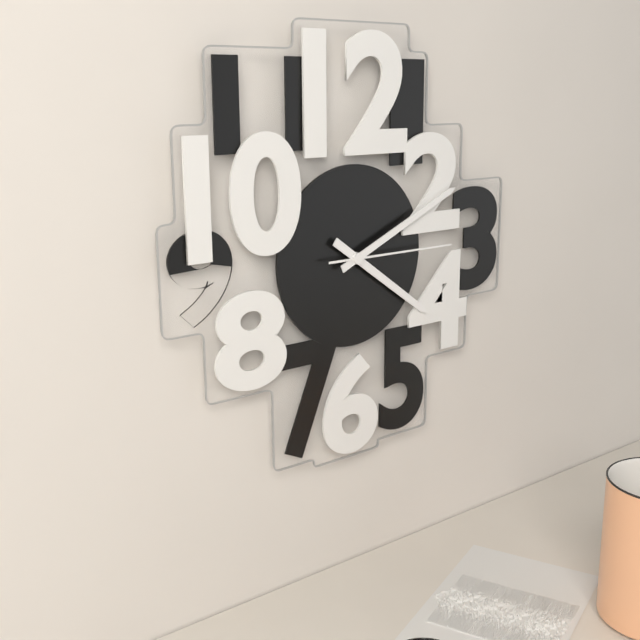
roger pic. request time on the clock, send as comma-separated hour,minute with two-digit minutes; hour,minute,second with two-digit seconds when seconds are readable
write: 4,11,15
